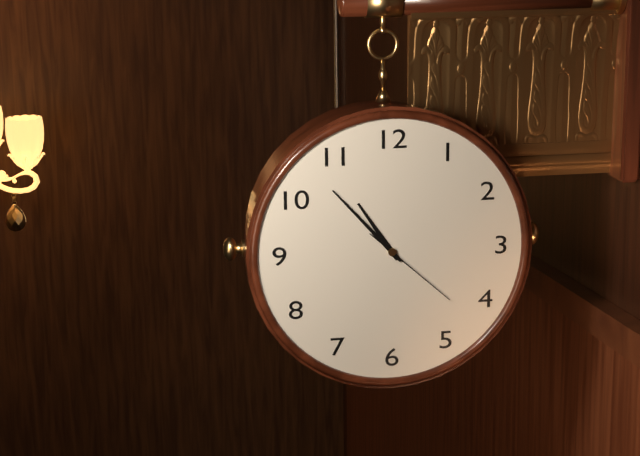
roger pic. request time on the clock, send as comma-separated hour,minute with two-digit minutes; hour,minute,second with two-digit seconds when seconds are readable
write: 10,53,22
